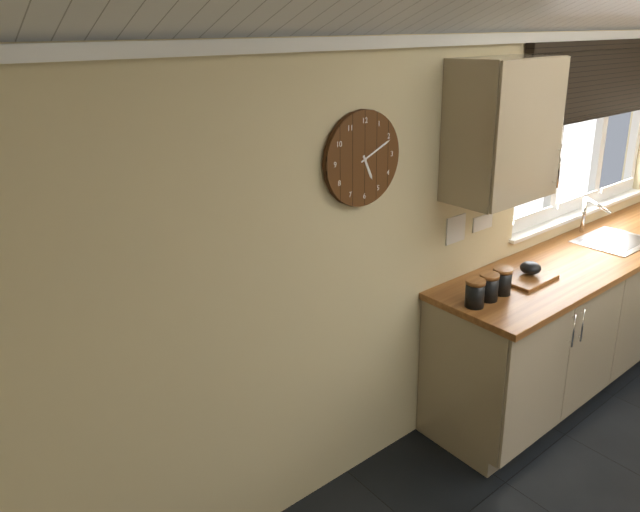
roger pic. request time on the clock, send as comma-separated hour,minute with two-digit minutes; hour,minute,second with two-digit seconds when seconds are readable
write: 5,11
